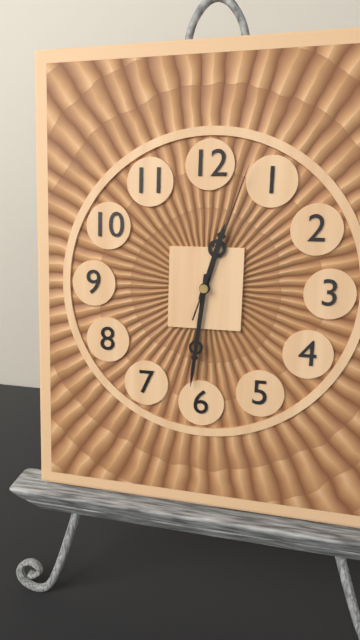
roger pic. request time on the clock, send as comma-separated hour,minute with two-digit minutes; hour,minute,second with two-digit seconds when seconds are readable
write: 12,31,03
